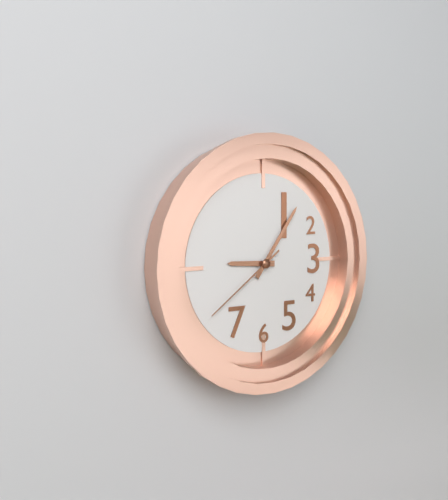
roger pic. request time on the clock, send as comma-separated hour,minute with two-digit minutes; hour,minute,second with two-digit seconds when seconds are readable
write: 9,06,39
